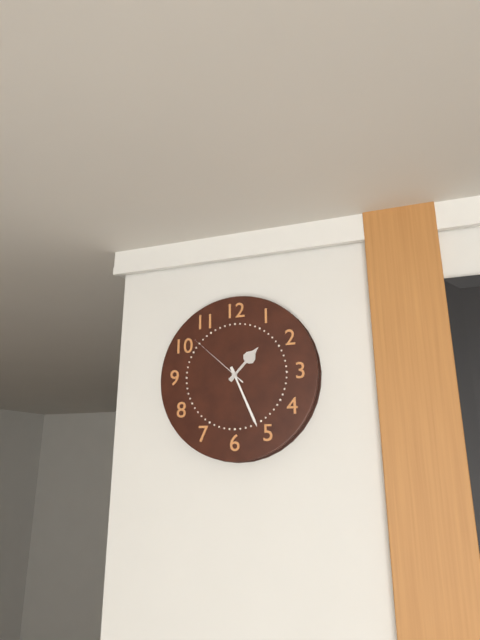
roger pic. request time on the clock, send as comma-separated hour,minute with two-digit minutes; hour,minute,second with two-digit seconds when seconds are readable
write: 1,26,52
